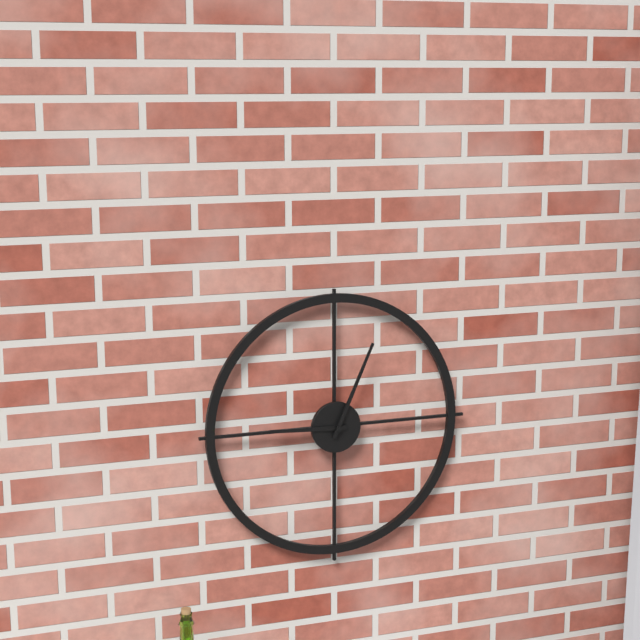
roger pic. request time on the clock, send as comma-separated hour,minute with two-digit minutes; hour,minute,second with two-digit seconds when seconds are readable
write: 9,04
